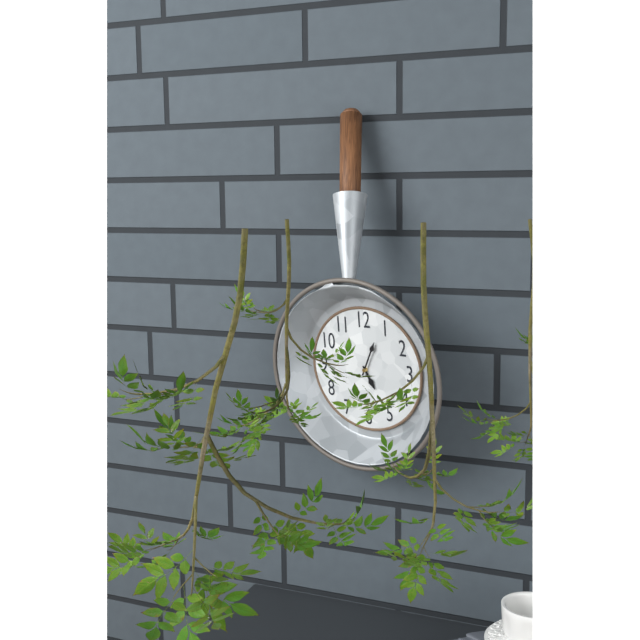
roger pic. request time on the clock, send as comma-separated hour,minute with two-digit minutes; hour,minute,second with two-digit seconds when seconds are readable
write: 5,04
